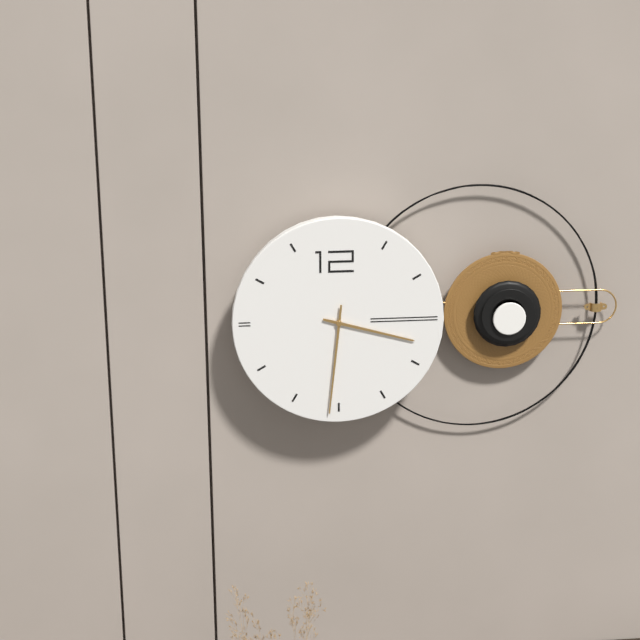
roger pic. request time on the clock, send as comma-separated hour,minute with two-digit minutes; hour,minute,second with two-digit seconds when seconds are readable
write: 3,31
